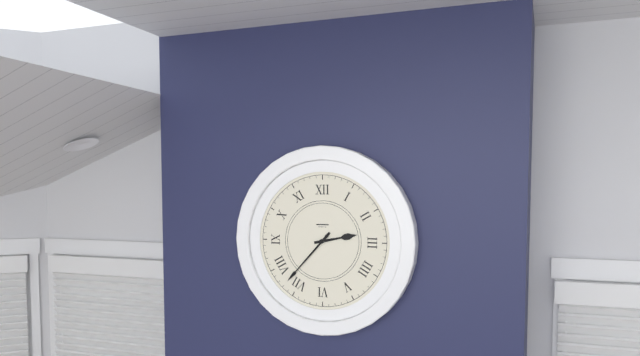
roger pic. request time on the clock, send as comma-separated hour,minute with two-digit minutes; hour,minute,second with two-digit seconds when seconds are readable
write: 2,37
